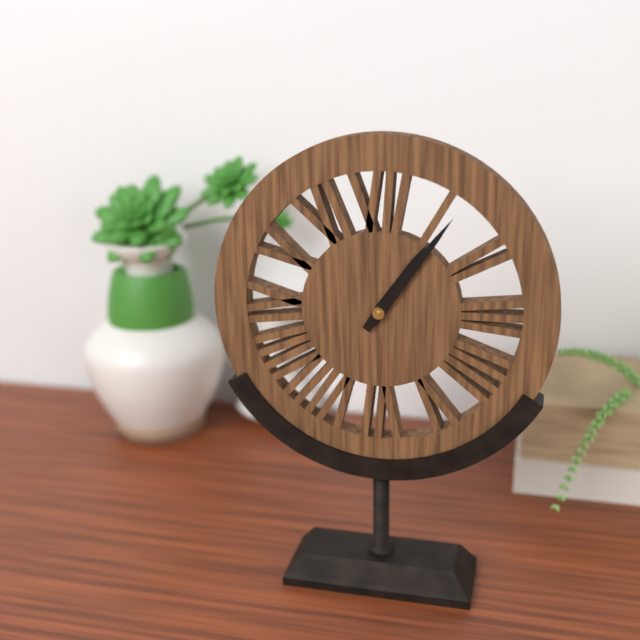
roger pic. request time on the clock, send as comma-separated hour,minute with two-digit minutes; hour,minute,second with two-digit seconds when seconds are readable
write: 1,06
